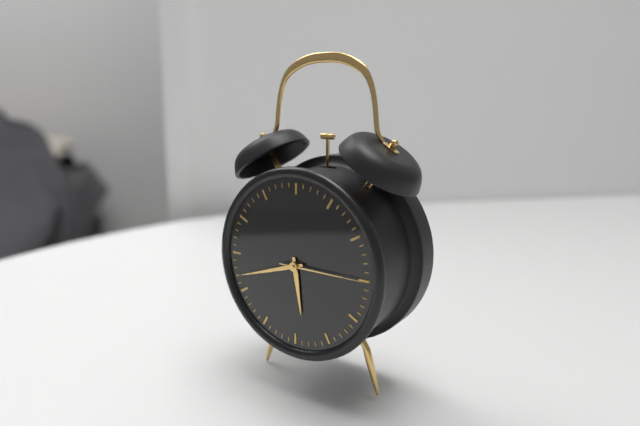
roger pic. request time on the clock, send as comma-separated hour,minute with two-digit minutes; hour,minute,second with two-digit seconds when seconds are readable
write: 5,42,15
